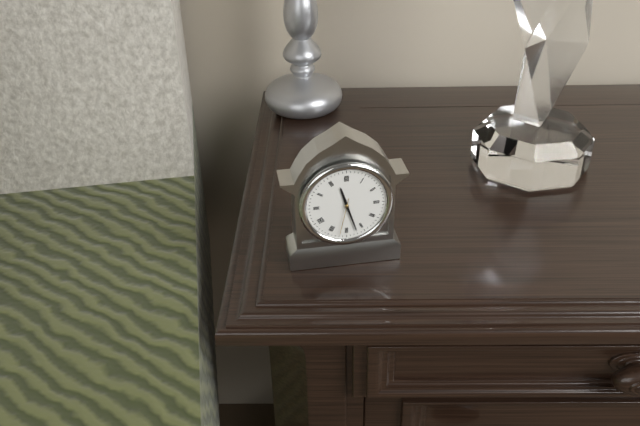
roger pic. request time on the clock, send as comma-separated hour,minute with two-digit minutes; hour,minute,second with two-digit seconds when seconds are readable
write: 11,27
